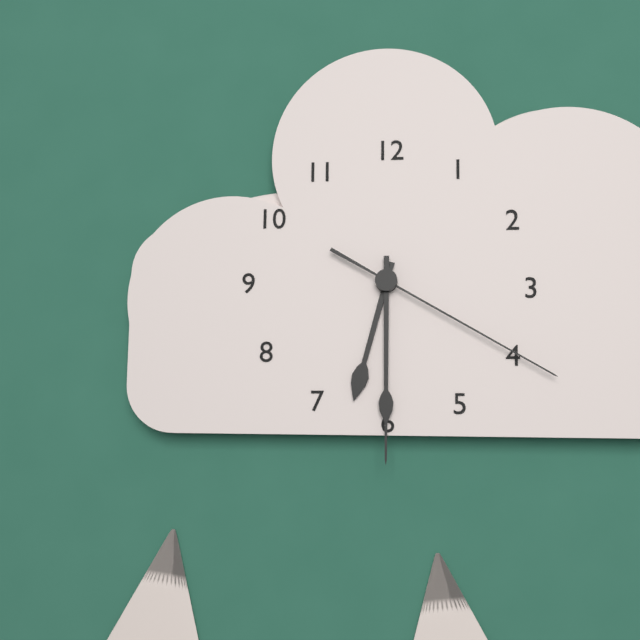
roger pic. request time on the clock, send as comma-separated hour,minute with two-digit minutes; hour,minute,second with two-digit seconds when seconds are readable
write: 6,30,20
